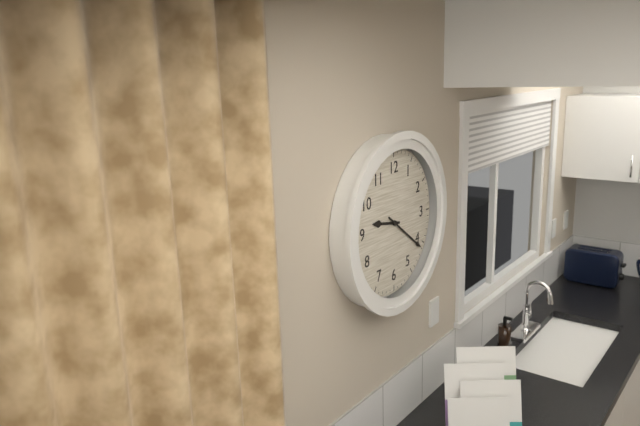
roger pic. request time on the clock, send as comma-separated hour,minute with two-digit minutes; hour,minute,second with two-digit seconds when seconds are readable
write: 9,21
